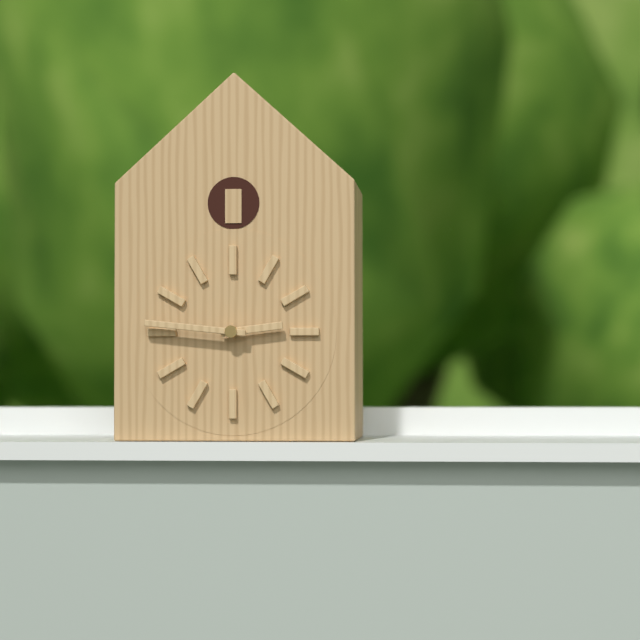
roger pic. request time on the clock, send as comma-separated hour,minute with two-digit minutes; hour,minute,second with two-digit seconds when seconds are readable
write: 2,46
